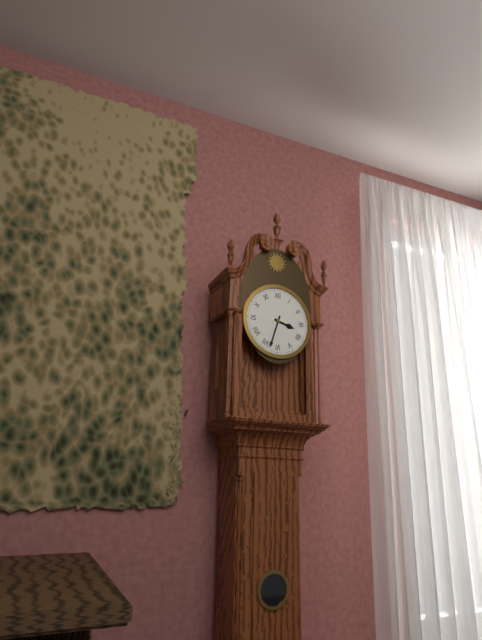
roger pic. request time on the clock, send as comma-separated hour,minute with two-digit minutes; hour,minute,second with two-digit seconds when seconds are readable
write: 3,33
